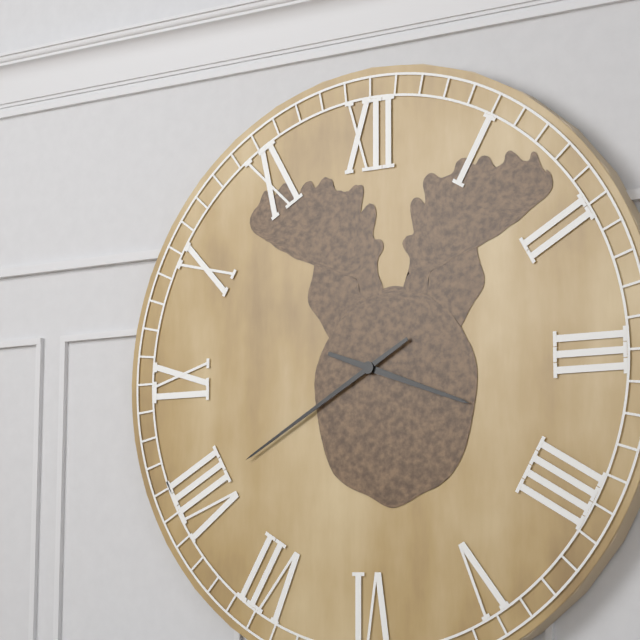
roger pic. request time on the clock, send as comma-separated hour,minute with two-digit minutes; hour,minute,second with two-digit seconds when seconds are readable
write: 3,40
